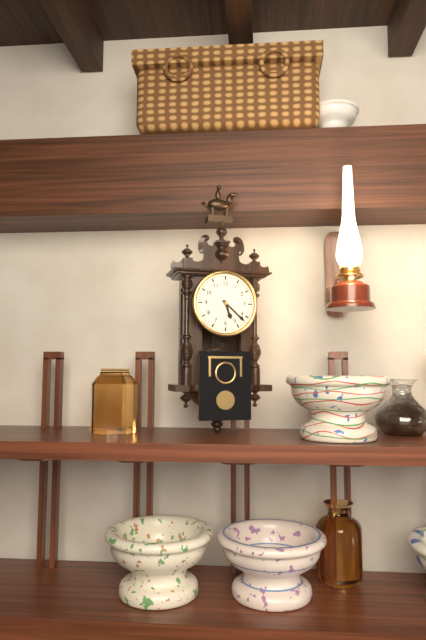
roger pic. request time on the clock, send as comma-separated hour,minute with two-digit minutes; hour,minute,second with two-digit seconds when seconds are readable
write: 5,22
